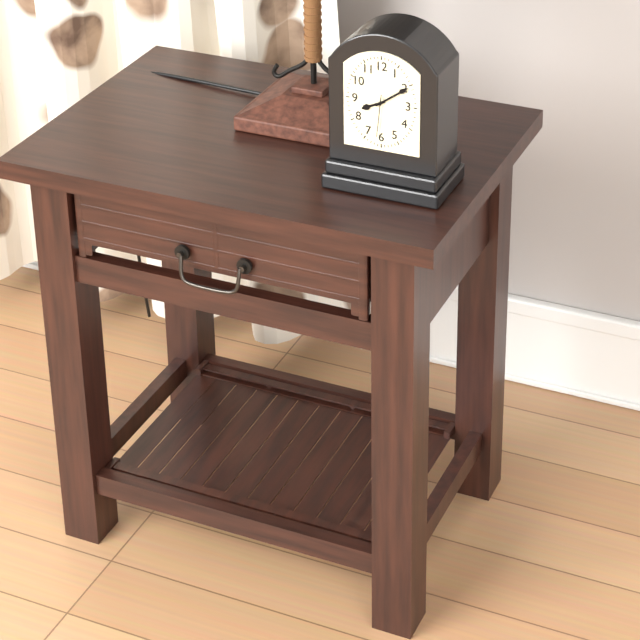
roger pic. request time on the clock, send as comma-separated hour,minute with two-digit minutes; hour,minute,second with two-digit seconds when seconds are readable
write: 8,09
